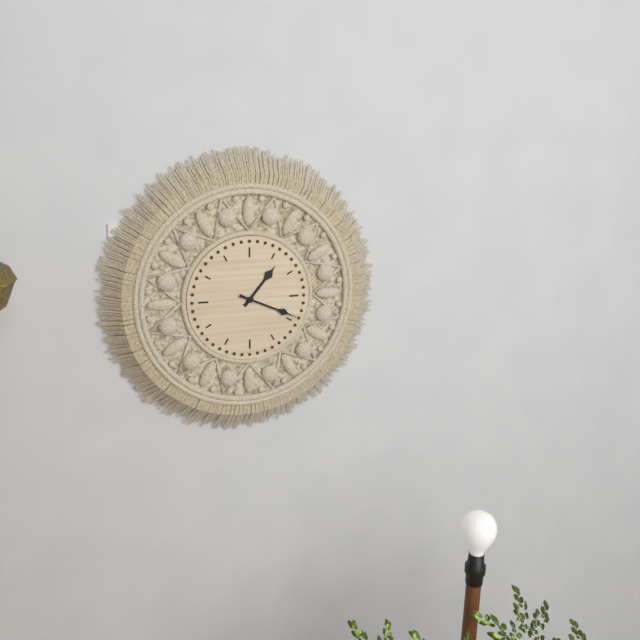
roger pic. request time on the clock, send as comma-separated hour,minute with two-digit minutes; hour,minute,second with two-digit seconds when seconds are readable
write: 1,19
